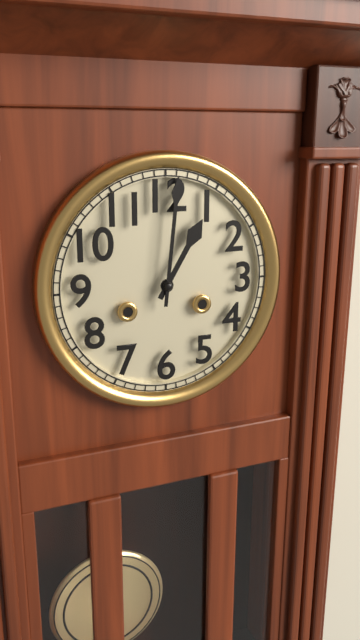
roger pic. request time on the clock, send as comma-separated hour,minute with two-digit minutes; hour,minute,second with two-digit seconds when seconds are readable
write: 1,01
